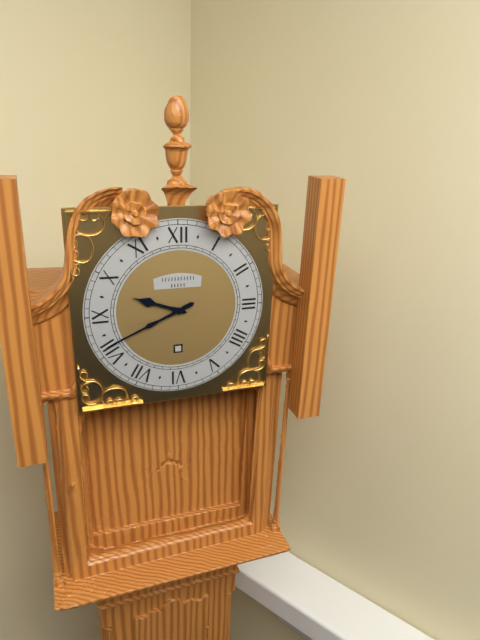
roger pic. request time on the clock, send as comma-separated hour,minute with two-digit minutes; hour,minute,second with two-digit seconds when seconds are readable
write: 9,41
